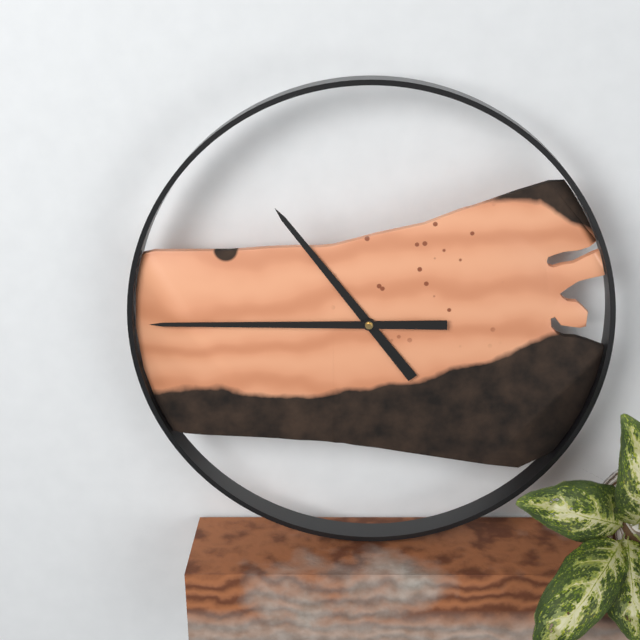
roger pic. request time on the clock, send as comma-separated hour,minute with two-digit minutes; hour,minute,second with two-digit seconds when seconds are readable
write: 10,45
